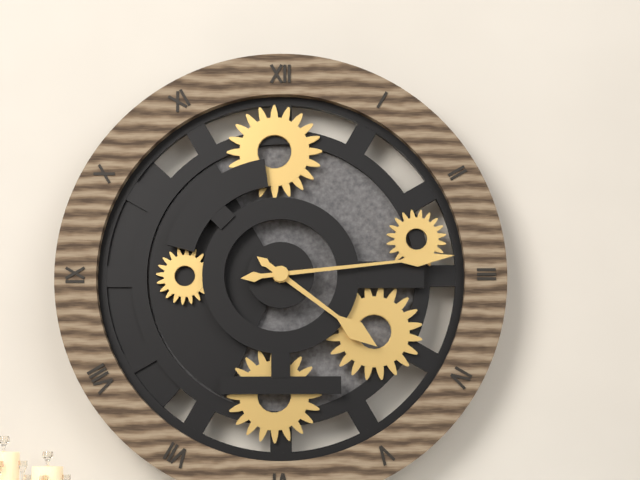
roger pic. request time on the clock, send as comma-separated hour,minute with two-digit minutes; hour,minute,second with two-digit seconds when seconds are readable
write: 4,14
